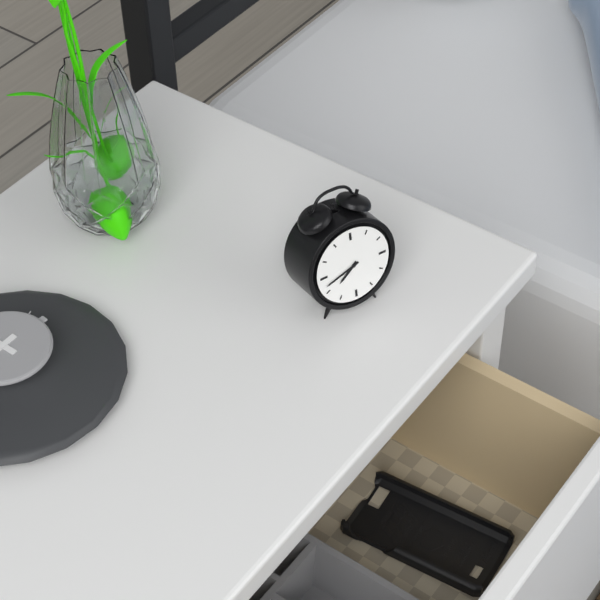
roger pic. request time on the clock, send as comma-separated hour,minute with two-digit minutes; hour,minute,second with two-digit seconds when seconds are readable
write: 7,42
